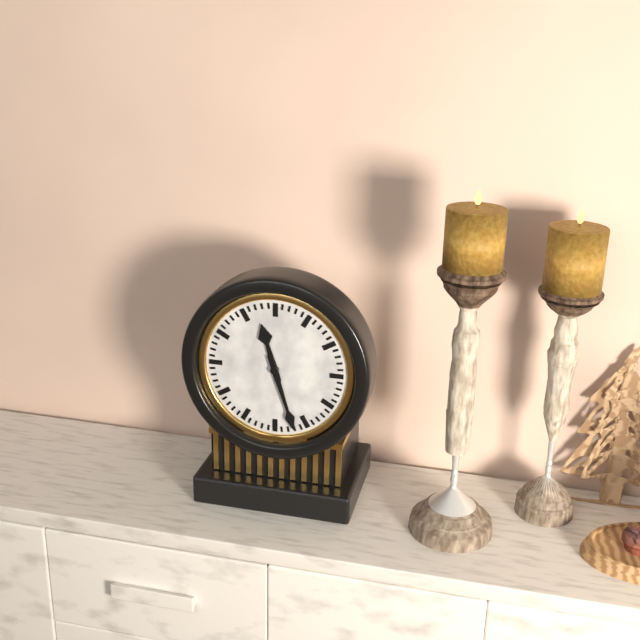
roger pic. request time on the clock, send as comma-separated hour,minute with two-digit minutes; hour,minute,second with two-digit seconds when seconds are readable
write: 11,27
